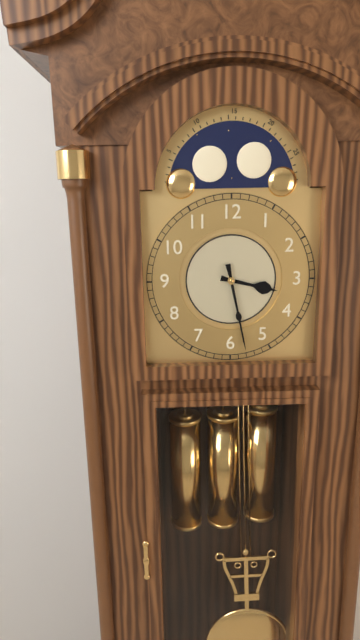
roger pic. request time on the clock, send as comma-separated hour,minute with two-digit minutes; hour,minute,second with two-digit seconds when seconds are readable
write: 3,28
